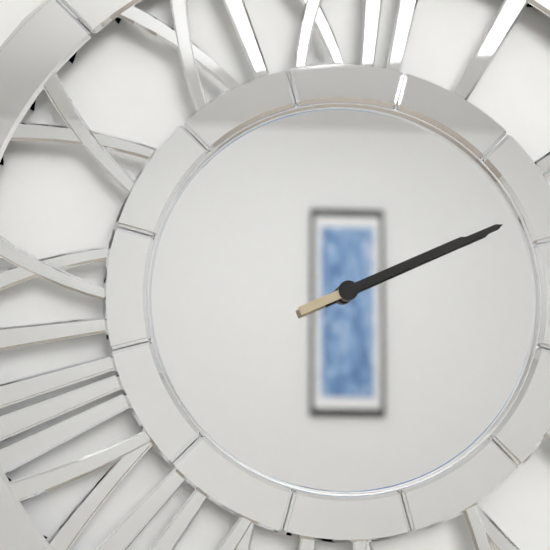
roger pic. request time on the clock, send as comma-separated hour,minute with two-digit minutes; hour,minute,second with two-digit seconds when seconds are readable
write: 2,11
